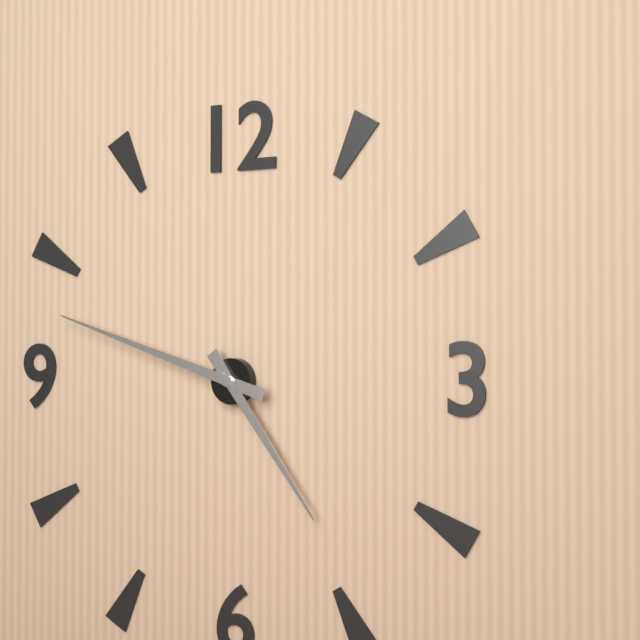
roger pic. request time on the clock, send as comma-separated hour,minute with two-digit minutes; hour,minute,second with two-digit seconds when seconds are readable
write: 4,48
